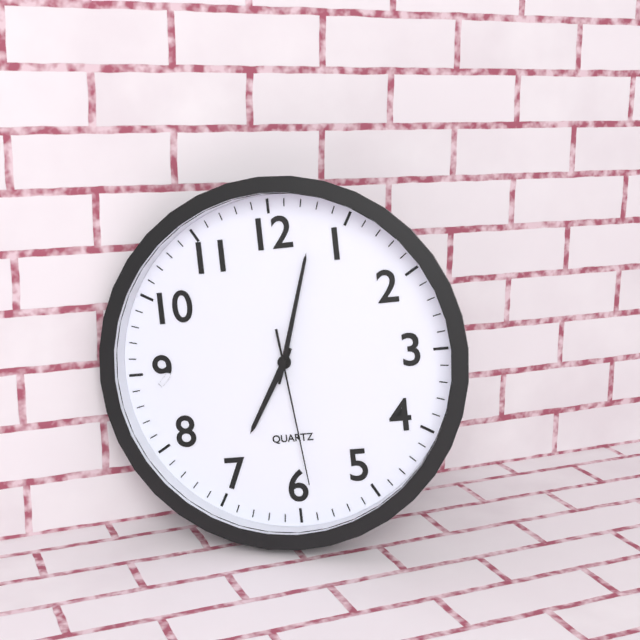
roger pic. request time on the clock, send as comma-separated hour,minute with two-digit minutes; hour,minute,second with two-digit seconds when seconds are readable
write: 7,03,29
